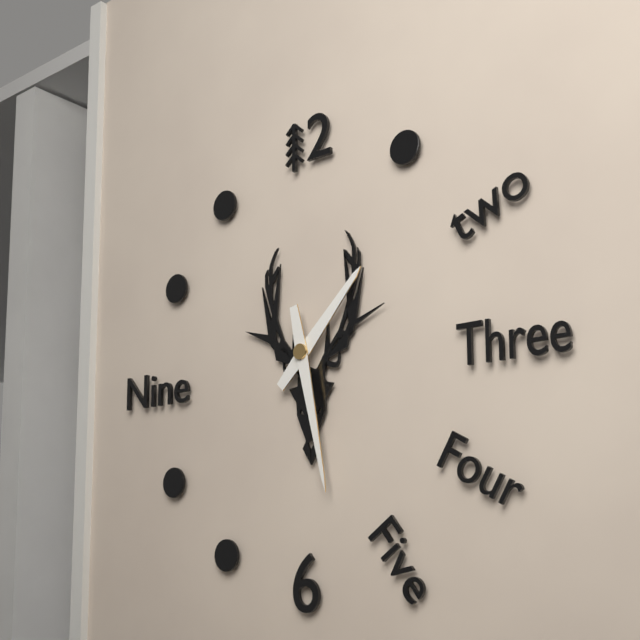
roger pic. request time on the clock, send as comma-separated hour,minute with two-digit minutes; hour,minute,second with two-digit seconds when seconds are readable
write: 1,28
